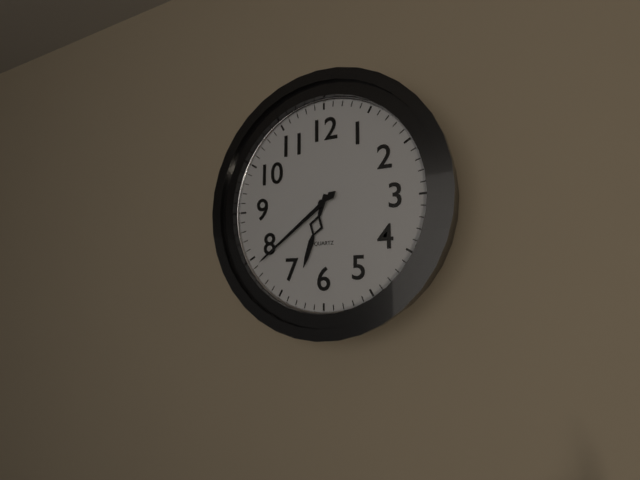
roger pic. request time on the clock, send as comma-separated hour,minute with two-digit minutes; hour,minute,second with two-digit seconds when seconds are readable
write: 6,39
